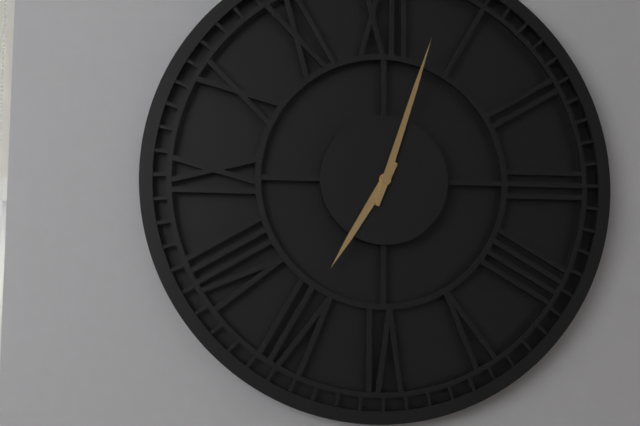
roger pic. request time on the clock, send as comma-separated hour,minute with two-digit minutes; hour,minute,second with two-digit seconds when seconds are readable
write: 7,03
